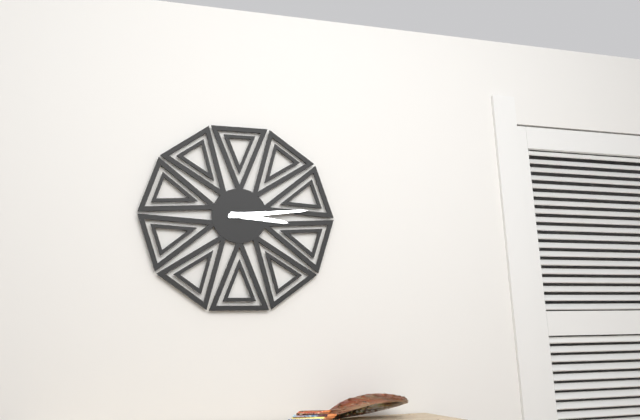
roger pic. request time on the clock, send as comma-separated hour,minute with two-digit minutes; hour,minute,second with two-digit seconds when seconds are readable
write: 3,14
